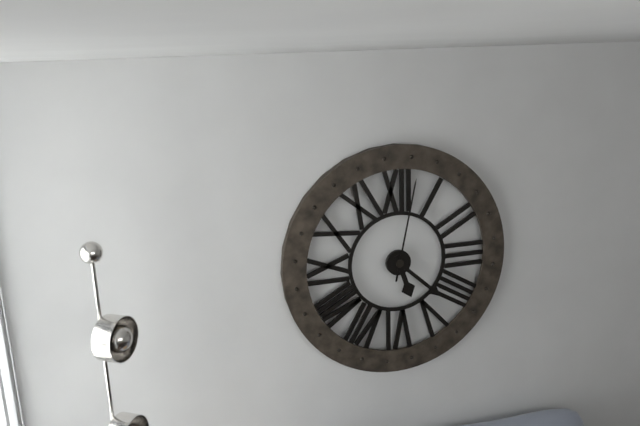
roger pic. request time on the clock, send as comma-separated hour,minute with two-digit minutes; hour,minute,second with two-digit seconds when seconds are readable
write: 5,22,02
